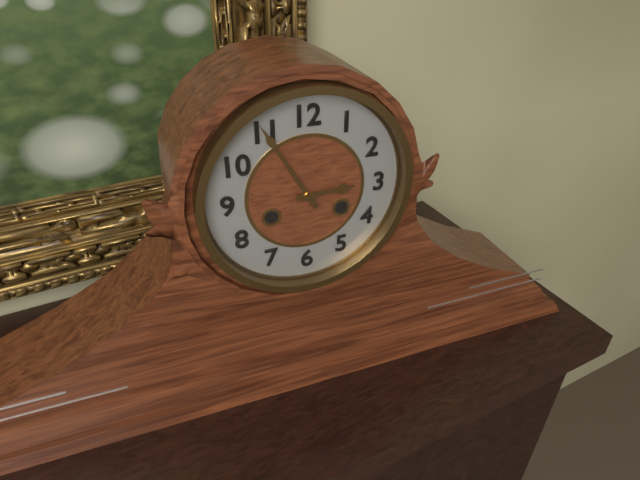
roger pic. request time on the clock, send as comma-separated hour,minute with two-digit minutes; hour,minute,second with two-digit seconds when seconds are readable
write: 2,55
